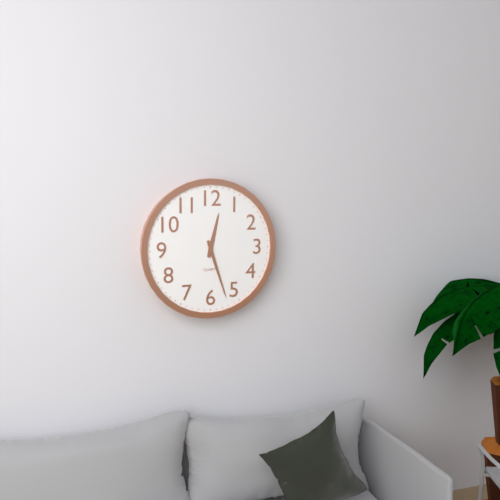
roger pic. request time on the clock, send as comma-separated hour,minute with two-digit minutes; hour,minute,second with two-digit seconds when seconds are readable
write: 12,27
